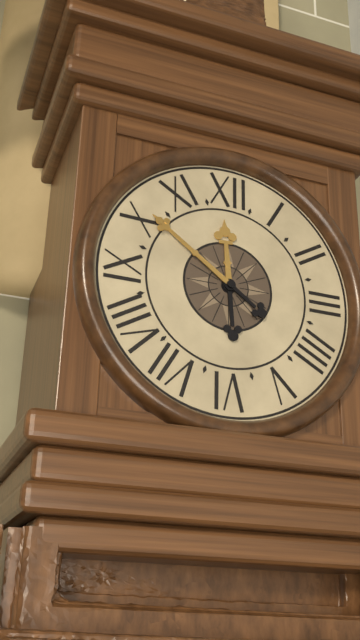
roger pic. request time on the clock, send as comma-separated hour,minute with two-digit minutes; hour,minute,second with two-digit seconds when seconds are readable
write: 11,51
